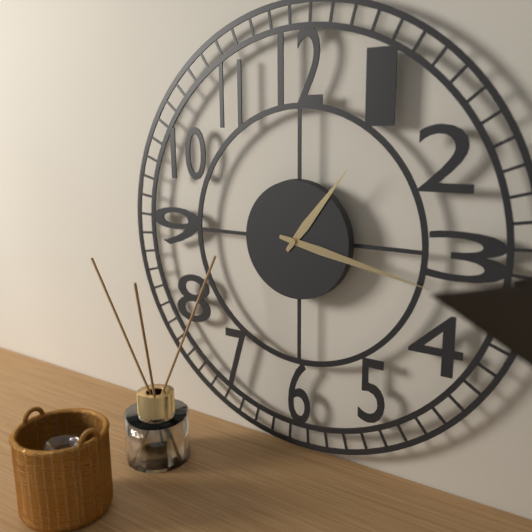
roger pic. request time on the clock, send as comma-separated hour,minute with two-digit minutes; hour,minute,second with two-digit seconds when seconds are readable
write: 1,17
